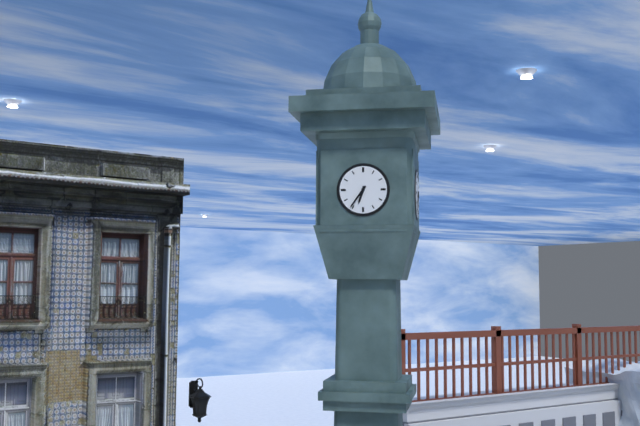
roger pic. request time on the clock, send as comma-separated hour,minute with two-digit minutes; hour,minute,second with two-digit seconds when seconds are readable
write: 6,36
